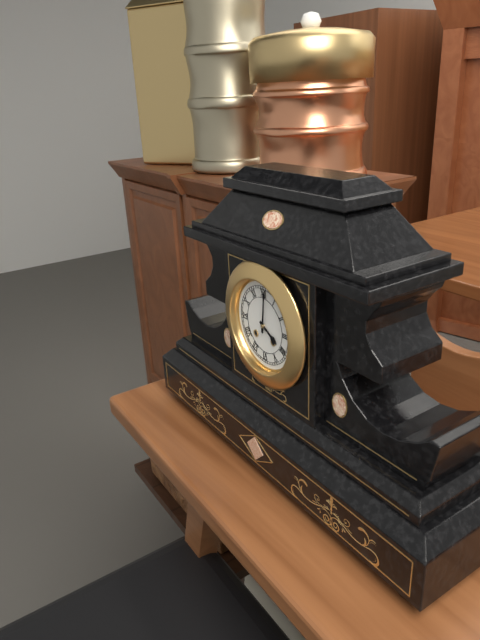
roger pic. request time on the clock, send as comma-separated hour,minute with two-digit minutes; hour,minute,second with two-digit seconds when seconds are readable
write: 4,01
